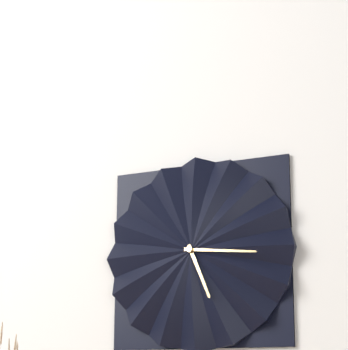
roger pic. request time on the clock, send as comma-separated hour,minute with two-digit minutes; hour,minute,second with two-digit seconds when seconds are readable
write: 5,16
